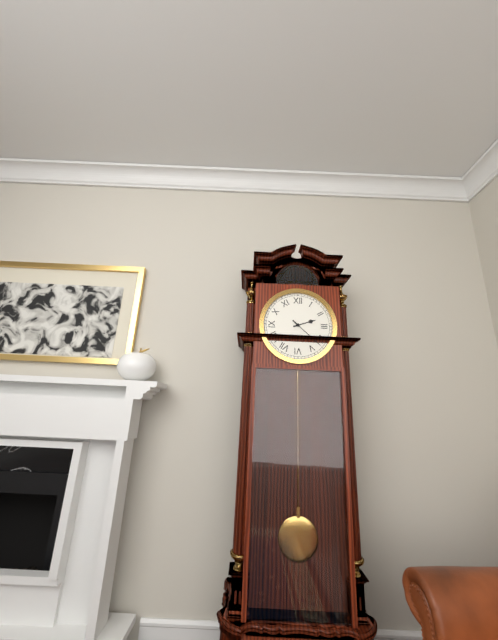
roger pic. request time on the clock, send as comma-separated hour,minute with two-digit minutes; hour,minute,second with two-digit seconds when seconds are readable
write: 2,22
